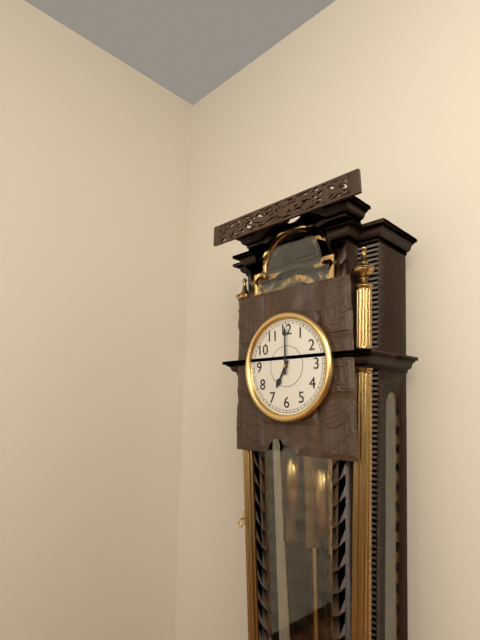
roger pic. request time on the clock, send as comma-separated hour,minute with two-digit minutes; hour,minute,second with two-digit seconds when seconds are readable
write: 7,00
